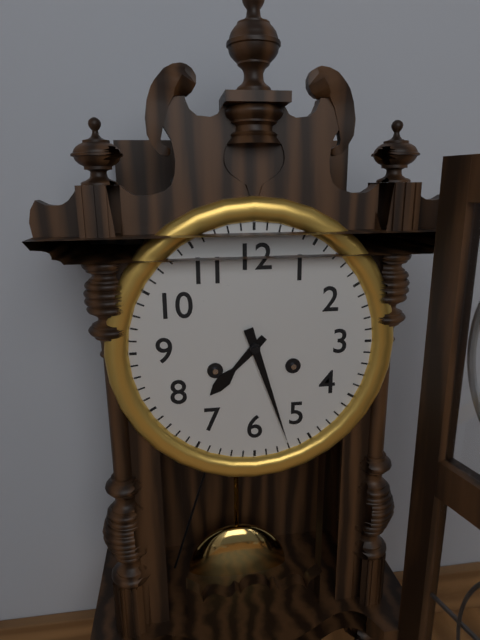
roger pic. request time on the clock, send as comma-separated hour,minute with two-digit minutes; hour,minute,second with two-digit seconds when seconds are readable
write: 7,27
